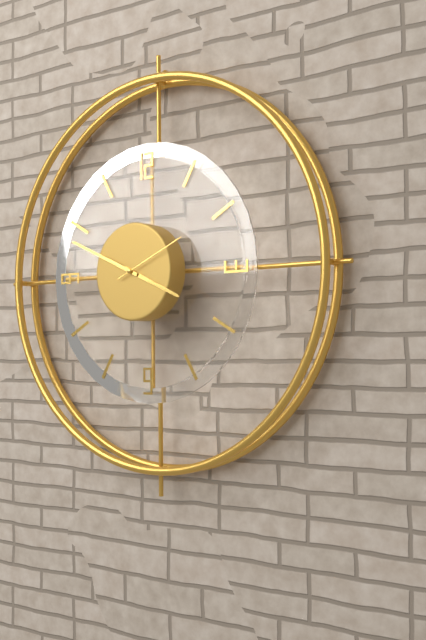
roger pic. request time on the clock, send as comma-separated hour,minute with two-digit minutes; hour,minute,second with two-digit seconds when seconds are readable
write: 3,49,11
